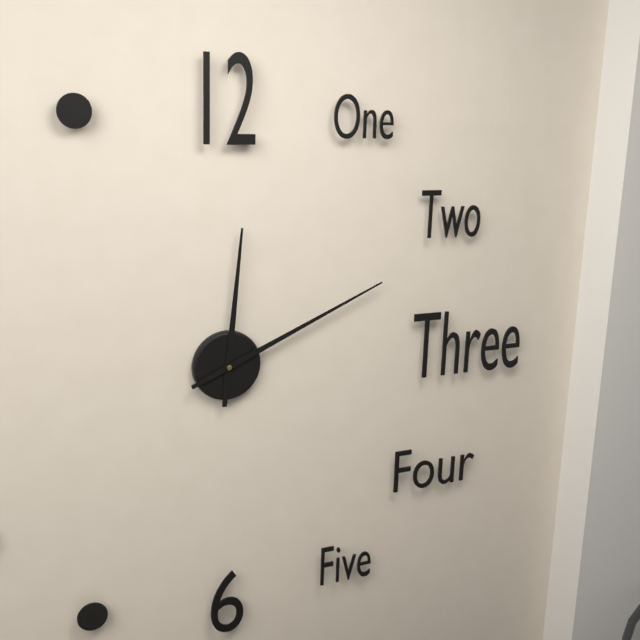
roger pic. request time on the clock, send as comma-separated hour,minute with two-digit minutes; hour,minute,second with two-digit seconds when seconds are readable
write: 12,11
